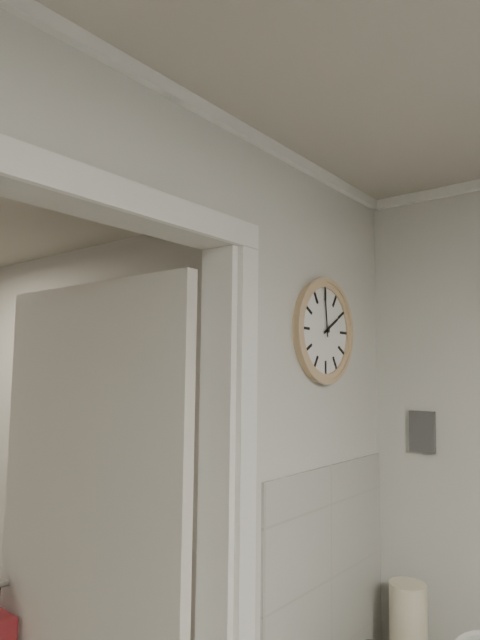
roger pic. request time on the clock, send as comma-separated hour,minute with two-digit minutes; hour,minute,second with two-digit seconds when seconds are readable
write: 1,59
